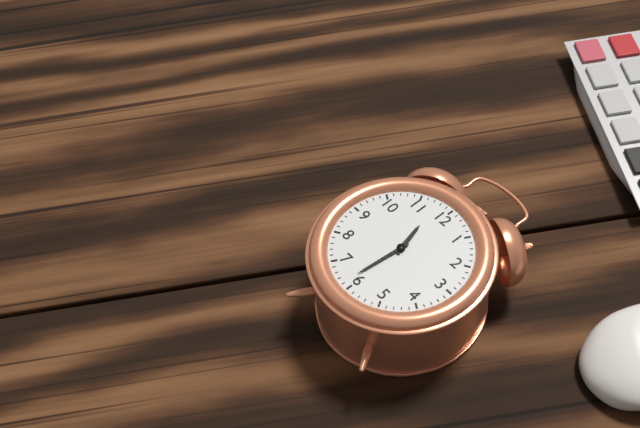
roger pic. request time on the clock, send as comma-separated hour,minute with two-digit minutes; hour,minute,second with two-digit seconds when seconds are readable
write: 11,31
